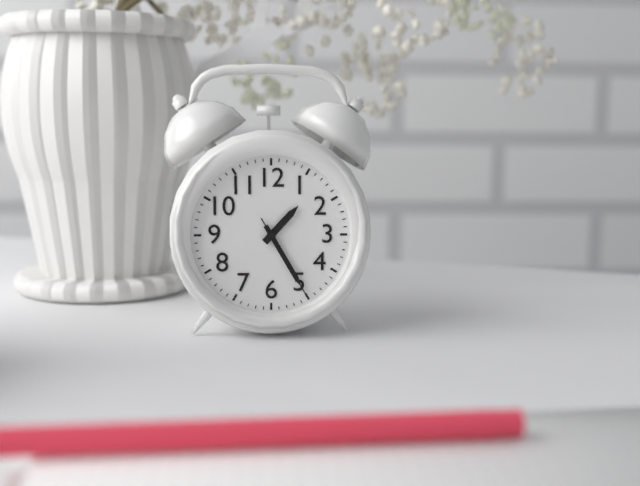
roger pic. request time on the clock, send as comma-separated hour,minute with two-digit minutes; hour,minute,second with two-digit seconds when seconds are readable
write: 1,25,25
